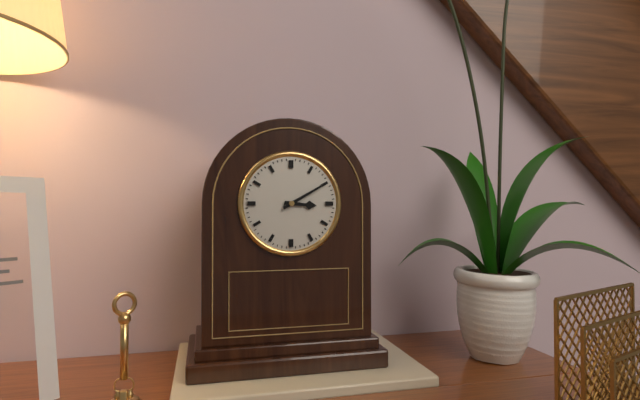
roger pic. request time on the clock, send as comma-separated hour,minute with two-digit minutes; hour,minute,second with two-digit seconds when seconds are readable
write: 3,10
